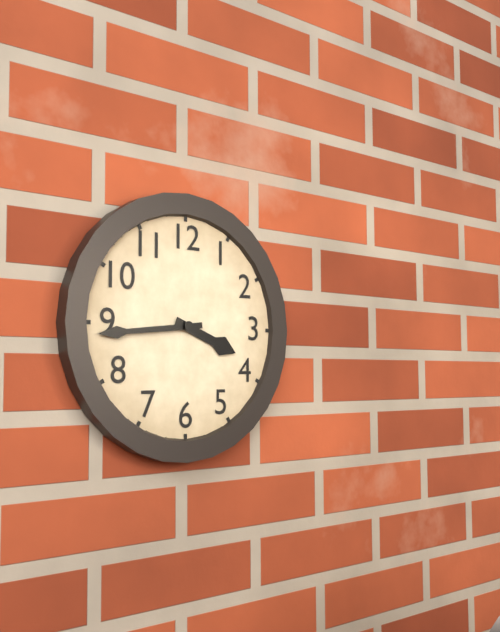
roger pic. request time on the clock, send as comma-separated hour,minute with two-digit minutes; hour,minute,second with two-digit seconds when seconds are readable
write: 3,44
